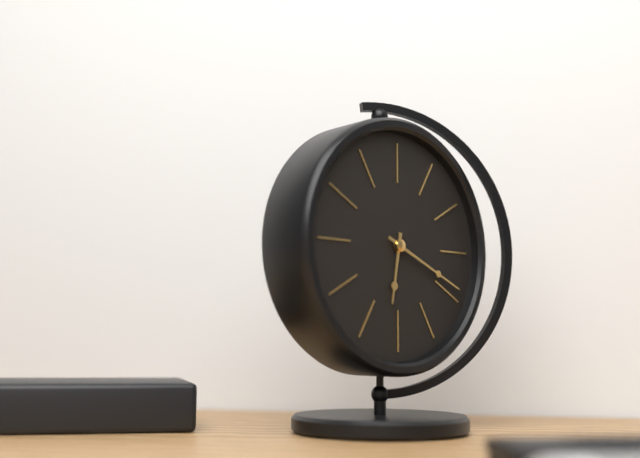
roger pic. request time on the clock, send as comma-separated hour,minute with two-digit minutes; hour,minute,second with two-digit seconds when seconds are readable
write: 6,19
